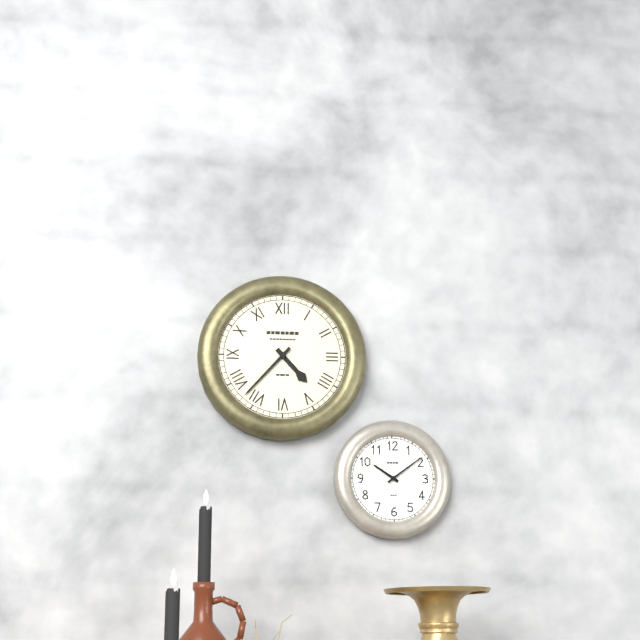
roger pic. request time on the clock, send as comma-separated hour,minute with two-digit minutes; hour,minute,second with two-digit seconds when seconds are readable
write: 4,37
